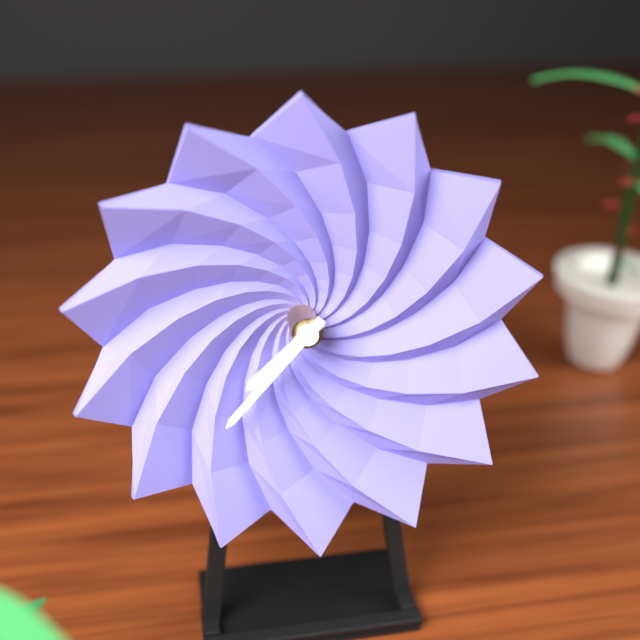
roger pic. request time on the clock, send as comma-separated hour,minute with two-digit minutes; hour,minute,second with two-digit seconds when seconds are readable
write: 7,37
